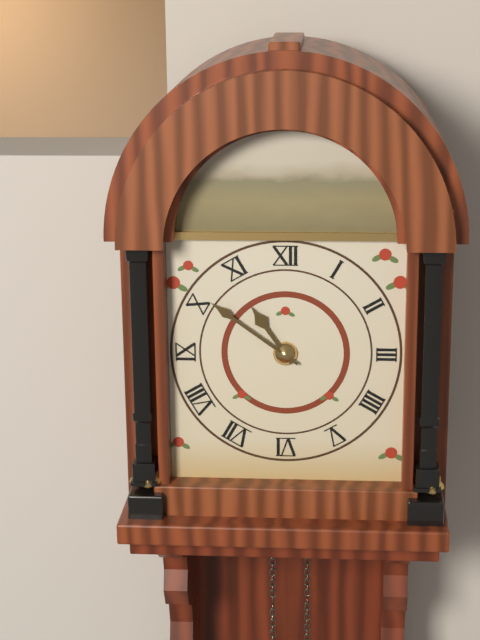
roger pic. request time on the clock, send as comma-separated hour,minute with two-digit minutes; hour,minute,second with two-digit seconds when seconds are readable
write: 10,51
